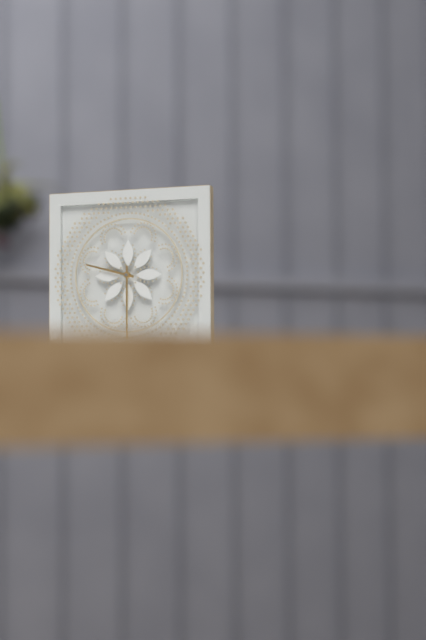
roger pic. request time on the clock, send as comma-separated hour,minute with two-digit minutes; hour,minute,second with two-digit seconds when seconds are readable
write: 9,30
